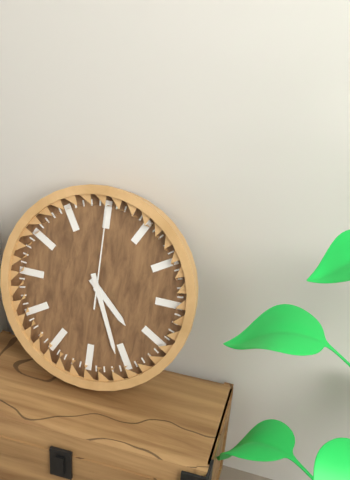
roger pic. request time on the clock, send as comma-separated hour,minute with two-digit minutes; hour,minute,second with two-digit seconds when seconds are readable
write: 4,26,00
